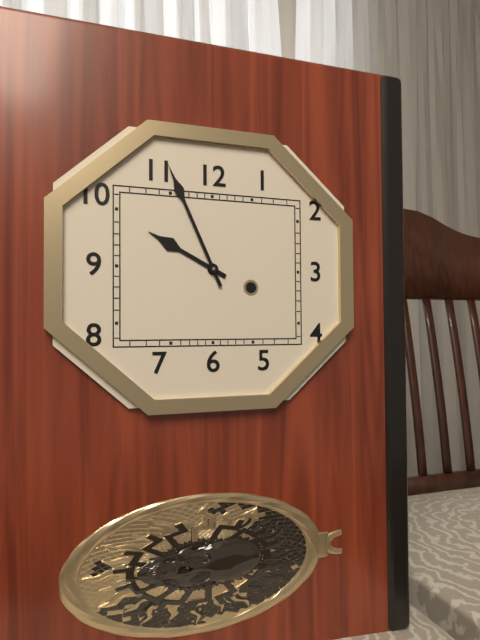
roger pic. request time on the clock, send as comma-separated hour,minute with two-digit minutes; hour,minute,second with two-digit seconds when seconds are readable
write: 9,56
